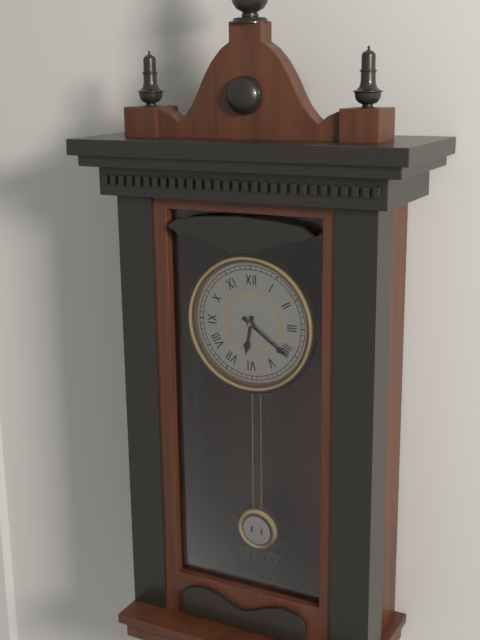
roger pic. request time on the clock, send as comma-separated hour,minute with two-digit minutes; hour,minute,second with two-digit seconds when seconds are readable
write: 6,21
